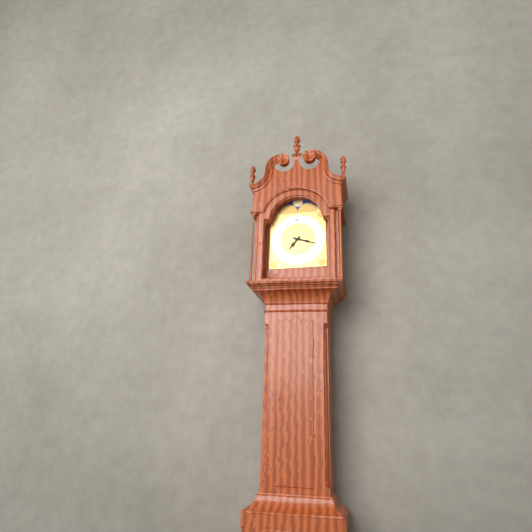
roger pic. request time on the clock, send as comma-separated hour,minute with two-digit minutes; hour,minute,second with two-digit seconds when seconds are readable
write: 7,18
